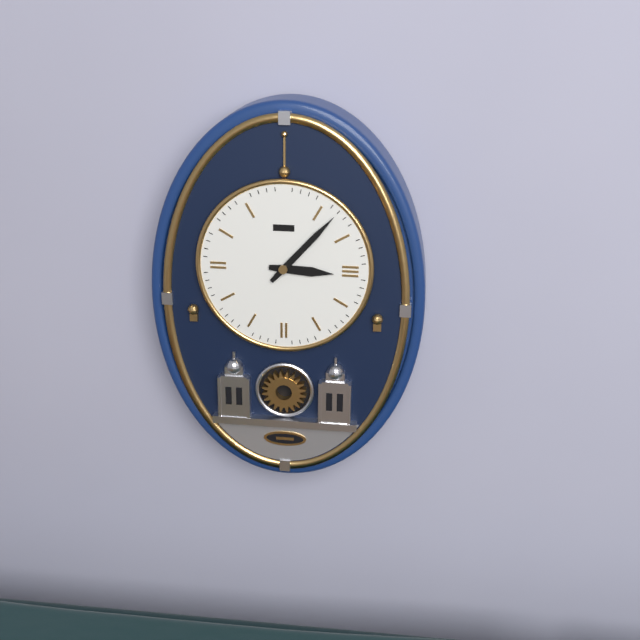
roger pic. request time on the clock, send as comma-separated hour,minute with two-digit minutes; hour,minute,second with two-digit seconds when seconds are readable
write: 3,07
